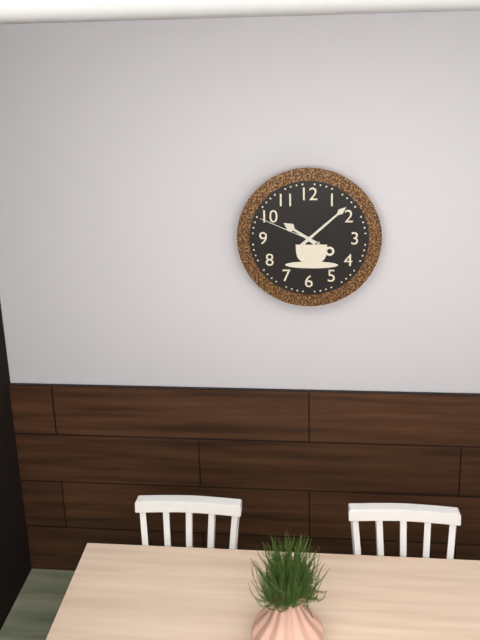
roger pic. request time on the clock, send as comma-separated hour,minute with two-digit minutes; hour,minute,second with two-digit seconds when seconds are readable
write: 10,08,49
